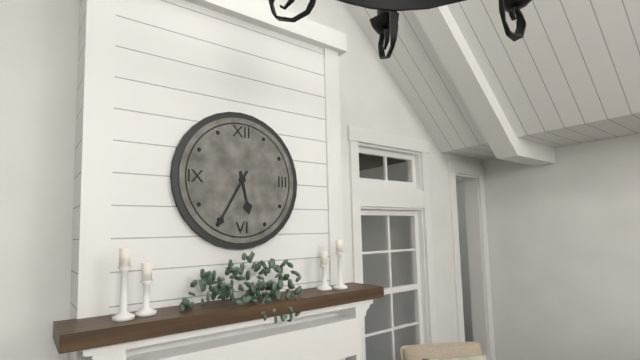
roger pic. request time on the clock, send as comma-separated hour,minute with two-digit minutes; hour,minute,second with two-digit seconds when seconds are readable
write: 5,35
